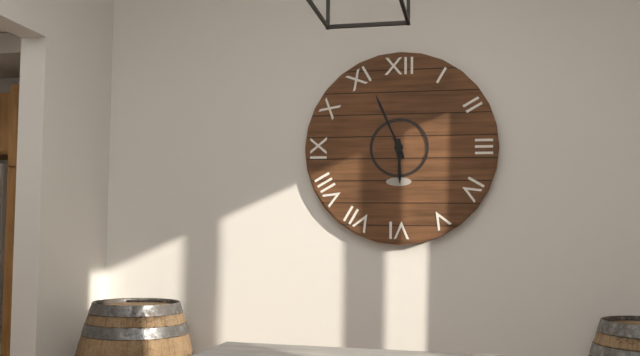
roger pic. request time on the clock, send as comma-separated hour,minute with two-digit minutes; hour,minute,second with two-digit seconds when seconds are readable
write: 5,56
